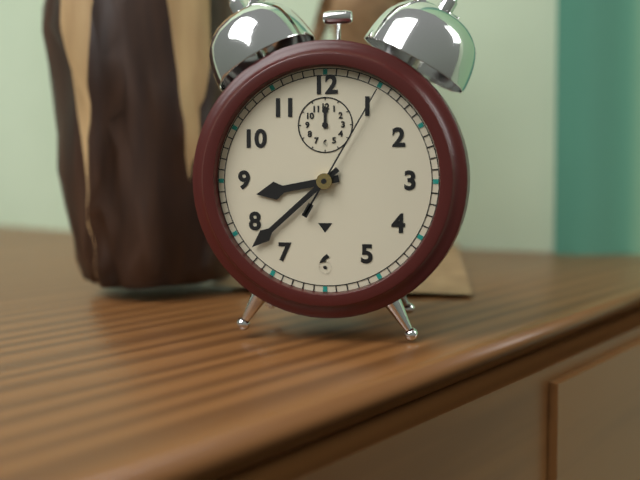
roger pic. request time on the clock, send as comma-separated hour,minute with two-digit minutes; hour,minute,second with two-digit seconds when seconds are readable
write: 8,38,05
